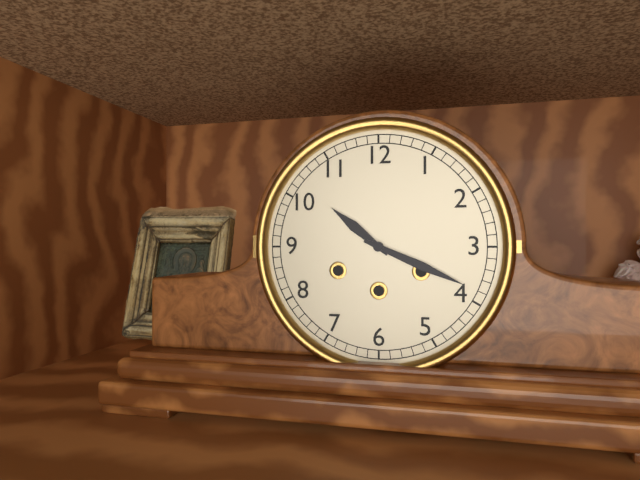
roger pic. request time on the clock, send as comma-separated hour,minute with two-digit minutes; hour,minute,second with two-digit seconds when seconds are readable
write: 10,19
